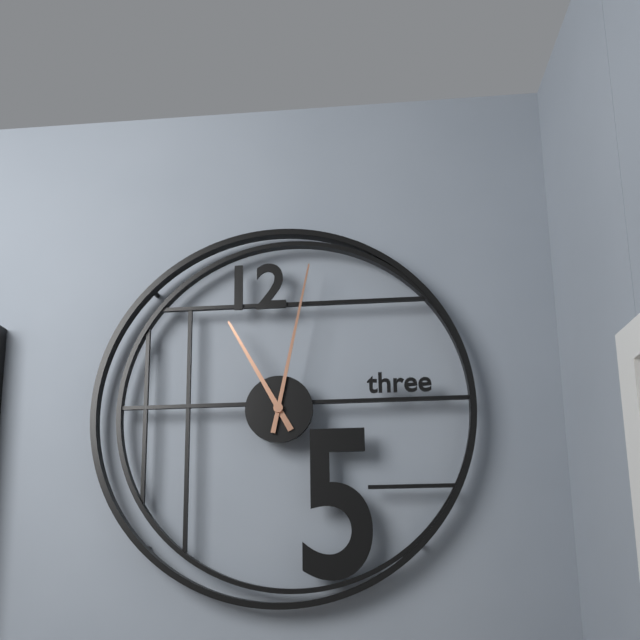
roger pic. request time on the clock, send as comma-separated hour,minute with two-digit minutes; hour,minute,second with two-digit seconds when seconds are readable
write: 11,02
